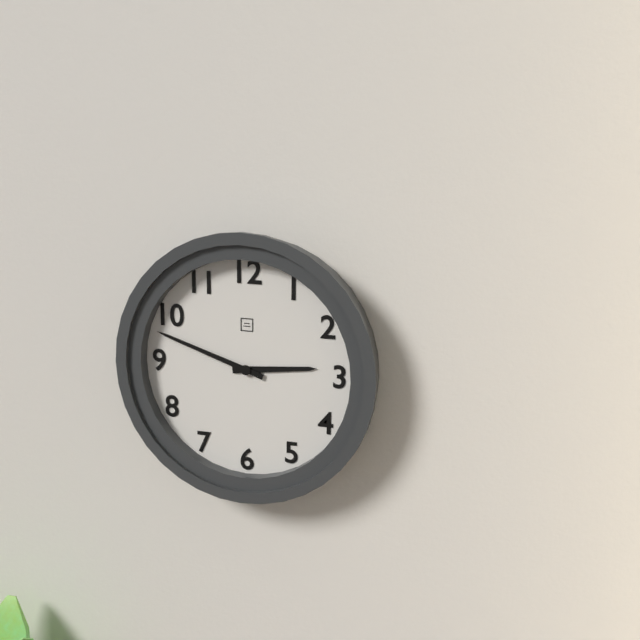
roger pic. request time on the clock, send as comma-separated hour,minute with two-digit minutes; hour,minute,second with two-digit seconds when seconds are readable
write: 2,48
